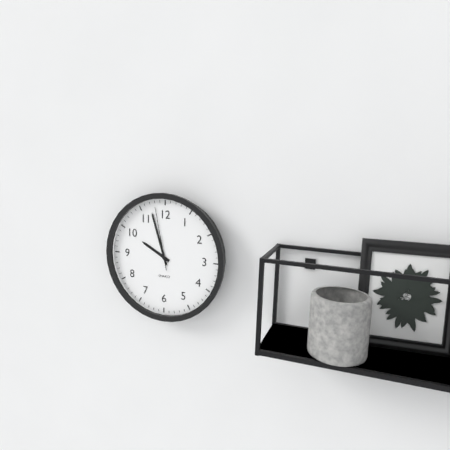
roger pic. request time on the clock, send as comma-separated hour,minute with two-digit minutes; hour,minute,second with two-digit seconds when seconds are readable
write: 9,57,58
